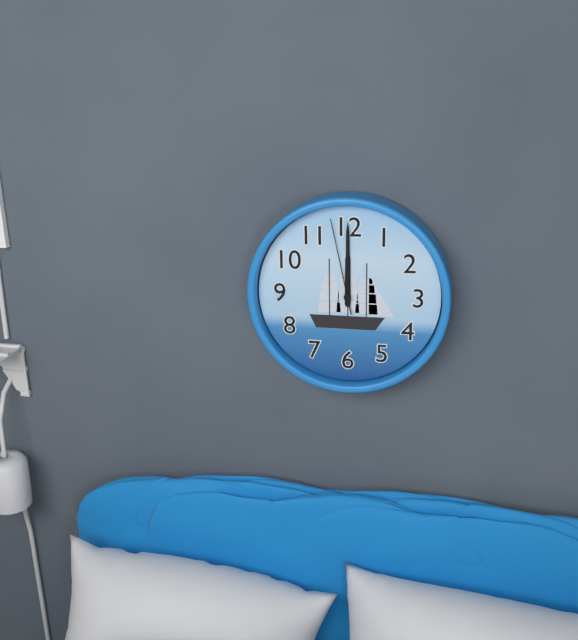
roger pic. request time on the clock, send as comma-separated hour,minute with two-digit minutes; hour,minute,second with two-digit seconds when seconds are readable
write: 12,00,58
